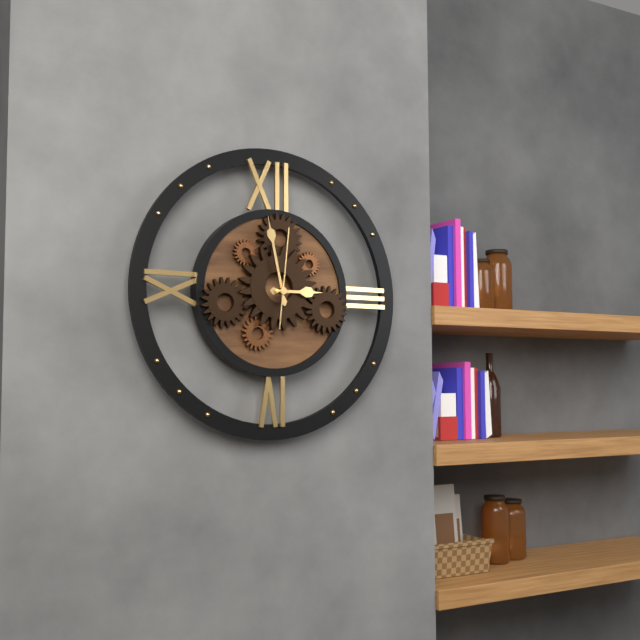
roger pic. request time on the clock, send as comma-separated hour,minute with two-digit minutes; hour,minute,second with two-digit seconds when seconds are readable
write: 2,58,01
